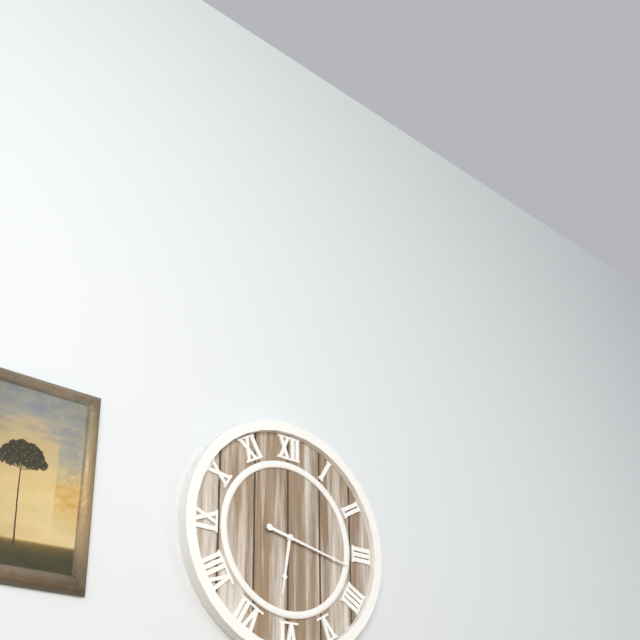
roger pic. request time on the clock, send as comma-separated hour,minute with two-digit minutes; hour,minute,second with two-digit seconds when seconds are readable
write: 6,17
